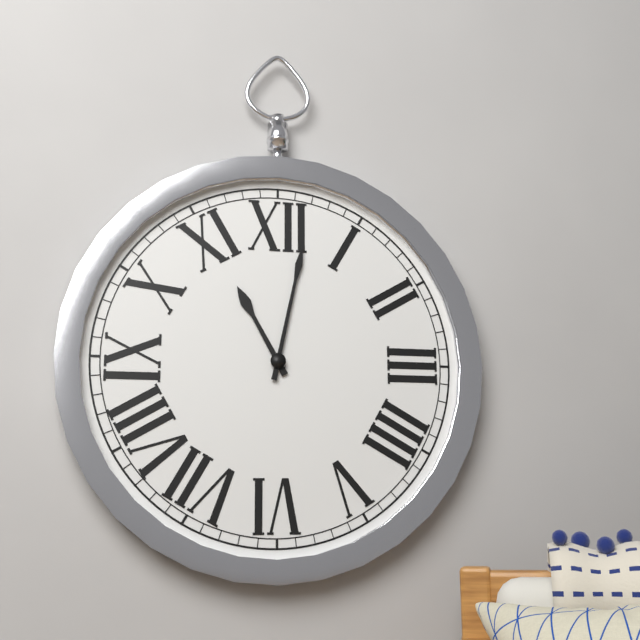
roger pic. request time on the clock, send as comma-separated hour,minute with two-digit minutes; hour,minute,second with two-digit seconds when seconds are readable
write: 11,02
